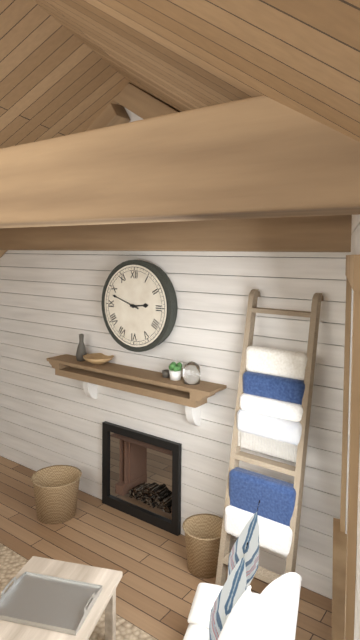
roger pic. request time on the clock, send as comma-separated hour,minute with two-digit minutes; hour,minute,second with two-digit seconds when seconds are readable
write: 2,48
